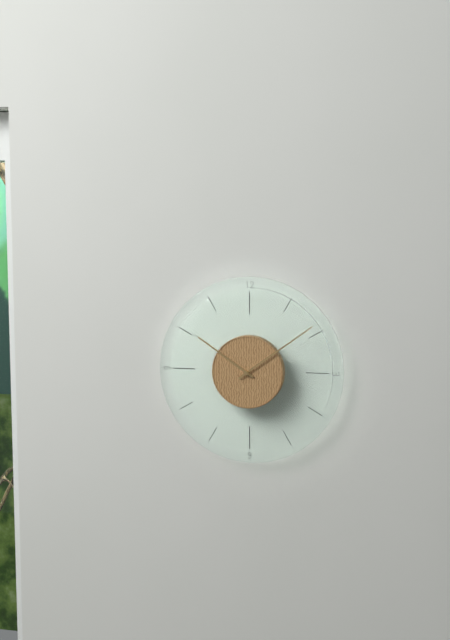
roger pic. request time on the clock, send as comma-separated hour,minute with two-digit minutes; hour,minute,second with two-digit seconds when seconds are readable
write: 10,09
